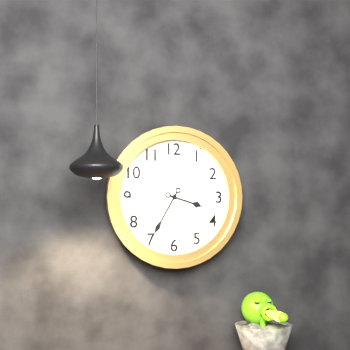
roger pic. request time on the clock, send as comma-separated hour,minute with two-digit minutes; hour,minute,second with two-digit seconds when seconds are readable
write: 3,35
